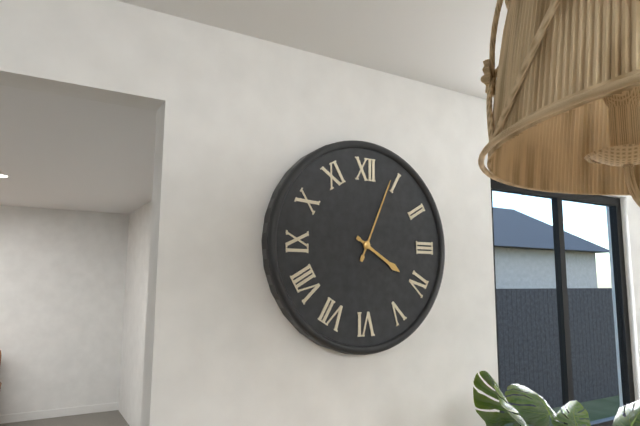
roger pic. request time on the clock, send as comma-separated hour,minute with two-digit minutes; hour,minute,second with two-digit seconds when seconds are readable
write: 4,04
